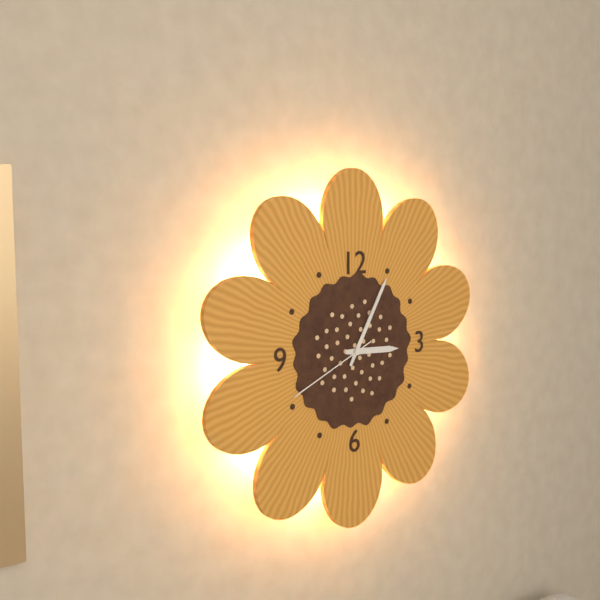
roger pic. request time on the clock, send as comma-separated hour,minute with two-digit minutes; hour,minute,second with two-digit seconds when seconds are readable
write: 3,05,41
